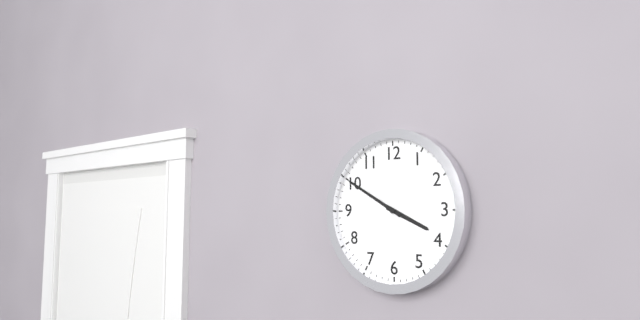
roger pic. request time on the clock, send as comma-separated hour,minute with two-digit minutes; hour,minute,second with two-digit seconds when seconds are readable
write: 3,50
